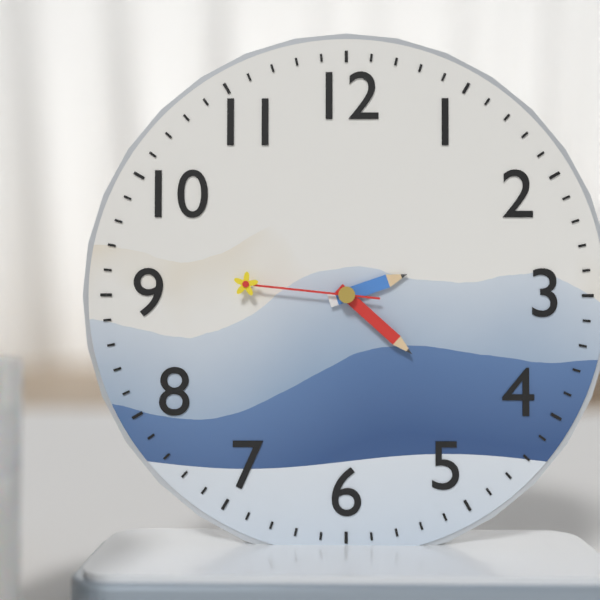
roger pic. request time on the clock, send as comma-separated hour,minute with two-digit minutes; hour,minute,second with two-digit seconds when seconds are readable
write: 2,22,46
